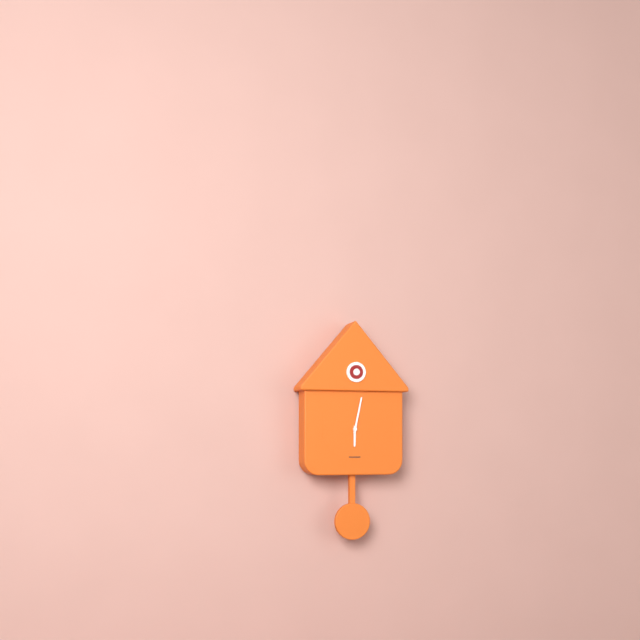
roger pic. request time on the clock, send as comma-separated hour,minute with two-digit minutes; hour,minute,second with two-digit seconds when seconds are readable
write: 6,02
